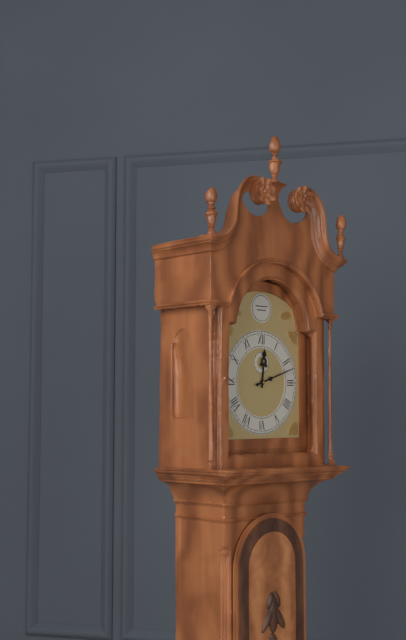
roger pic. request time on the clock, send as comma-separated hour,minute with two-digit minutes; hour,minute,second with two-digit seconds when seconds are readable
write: 12,12
